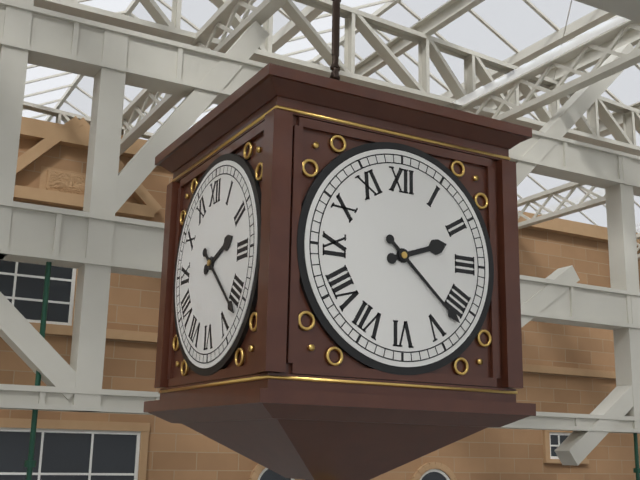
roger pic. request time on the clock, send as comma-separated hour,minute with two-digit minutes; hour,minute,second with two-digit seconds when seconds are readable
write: 2,22
